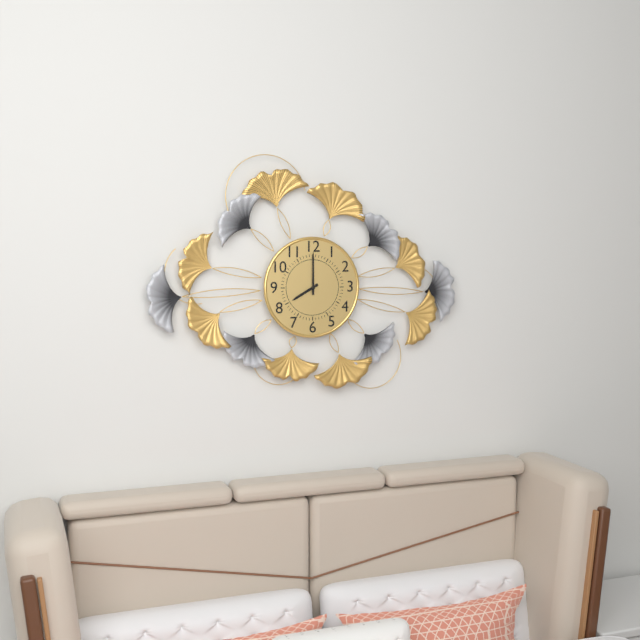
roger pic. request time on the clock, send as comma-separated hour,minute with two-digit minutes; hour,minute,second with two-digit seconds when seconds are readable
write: 8,00
